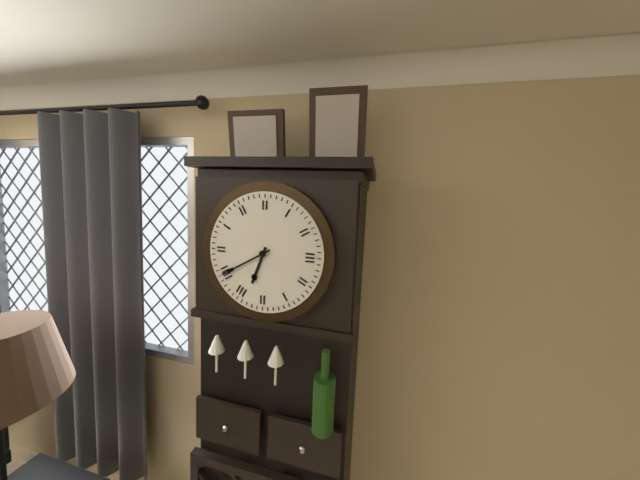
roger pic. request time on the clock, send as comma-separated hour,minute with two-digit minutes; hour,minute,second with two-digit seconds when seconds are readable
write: 6,40
